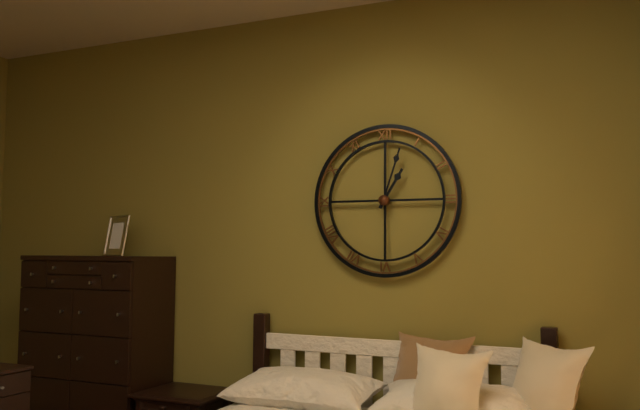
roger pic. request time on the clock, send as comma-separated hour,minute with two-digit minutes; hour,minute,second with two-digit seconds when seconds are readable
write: 1,03
